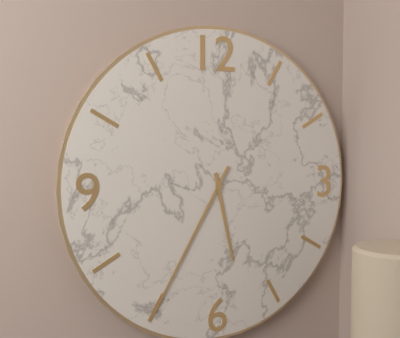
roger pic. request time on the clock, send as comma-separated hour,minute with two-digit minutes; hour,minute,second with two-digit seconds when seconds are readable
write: 5,35
